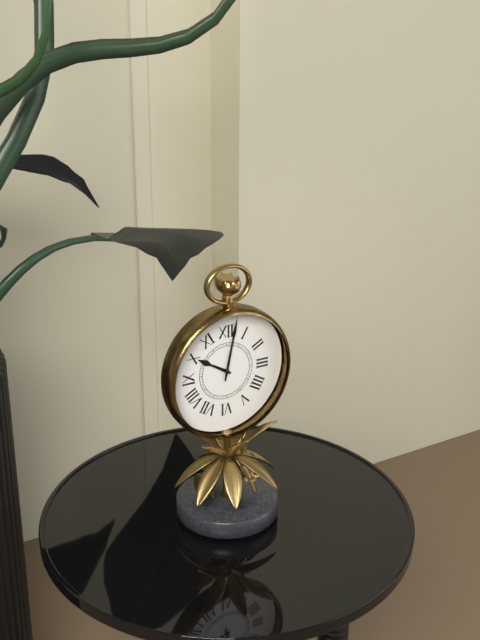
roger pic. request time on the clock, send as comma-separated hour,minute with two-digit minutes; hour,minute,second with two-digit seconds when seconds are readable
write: 10,02
